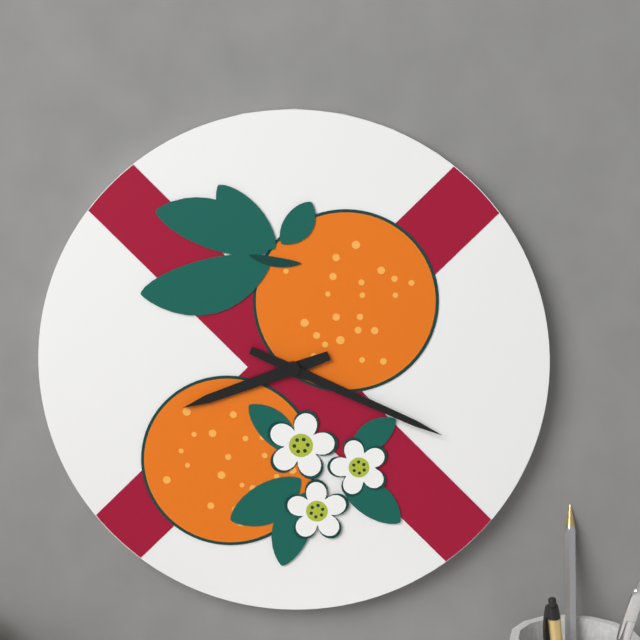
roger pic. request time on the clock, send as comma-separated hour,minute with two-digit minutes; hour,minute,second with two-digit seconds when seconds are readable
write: 8,19
